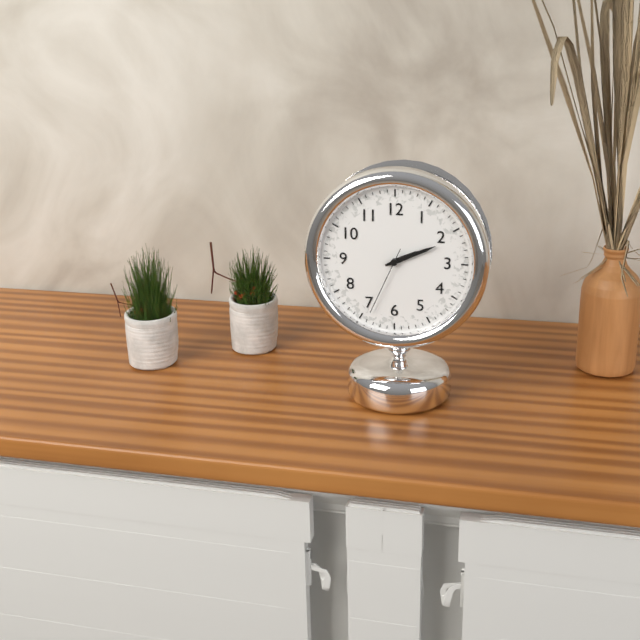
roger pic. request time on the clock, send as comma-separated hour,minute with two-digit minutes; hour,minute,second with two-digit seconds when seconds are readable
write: 2,11,34
